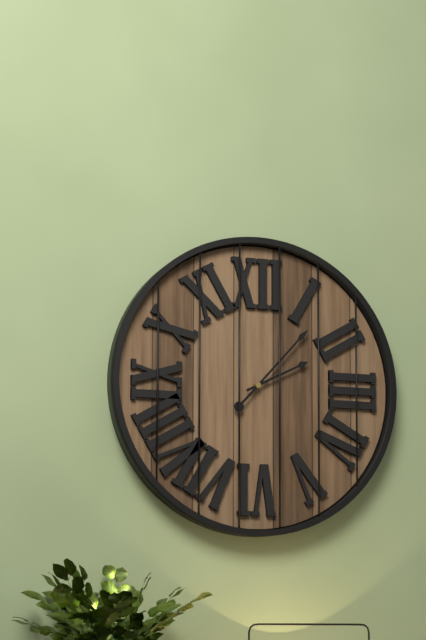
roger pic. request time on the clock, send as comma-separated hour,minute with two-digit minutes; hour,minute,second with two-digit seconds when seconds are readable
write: 2,07
